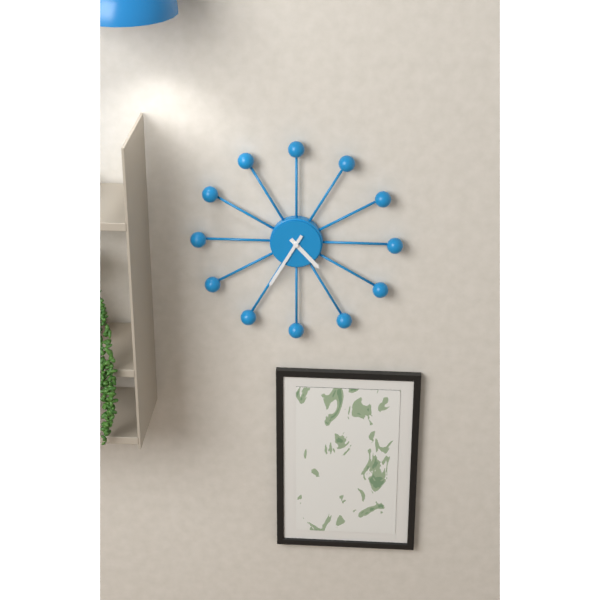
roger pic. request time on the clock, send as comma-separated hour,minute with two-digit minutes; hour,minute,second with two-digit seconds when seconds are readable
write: 4,35
